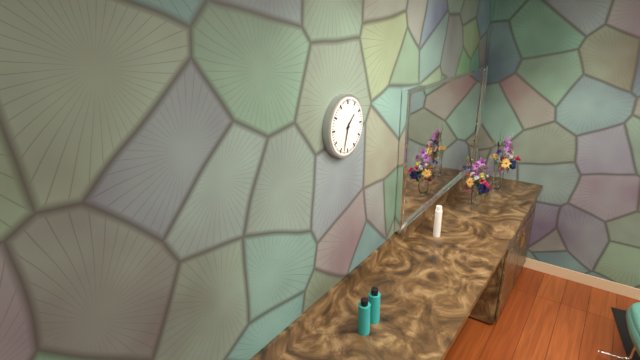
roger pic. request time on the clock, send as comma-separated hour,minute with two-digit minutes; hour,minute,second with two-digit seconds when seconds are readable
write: 1,33
